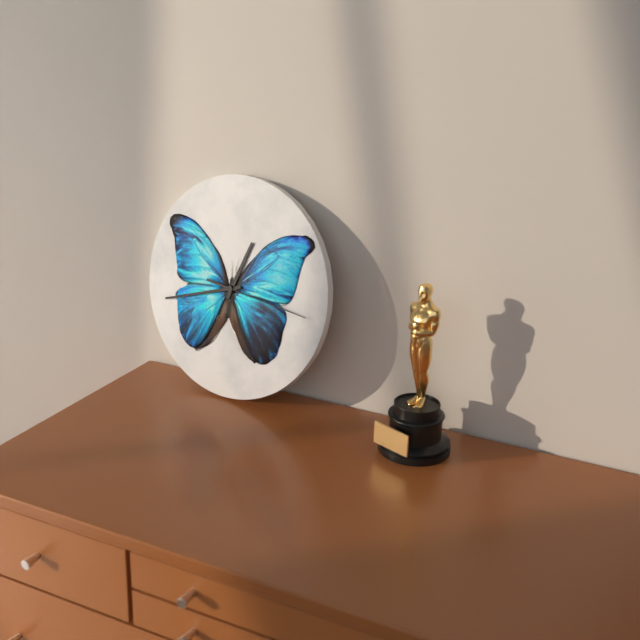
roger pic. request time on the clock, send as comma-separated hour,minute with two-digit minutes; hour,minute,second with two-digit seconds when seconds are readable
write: 12,42,16
